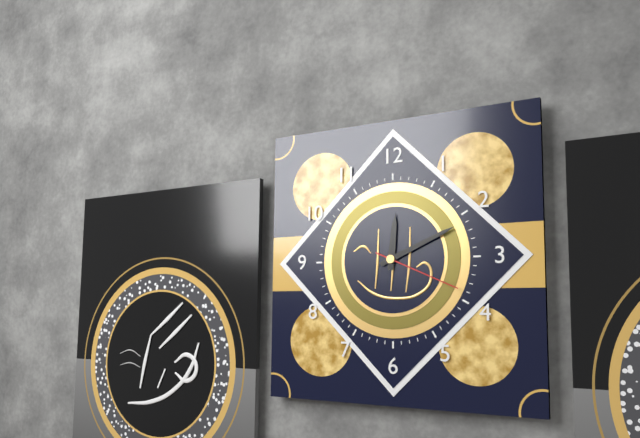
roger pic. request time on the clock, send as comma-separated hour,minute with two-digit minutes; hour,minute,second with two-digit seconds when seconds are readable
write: 12,11,19
